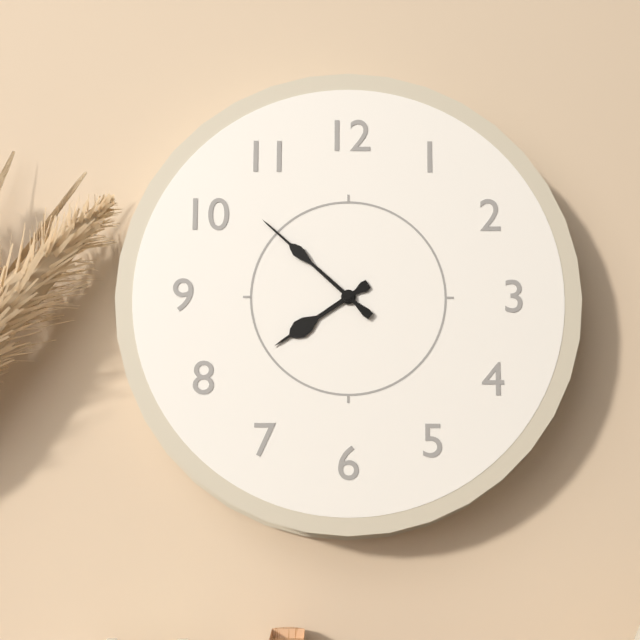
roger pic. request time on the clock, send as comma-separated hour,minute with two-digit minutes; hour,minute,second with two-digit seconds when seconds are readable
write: 7,52
